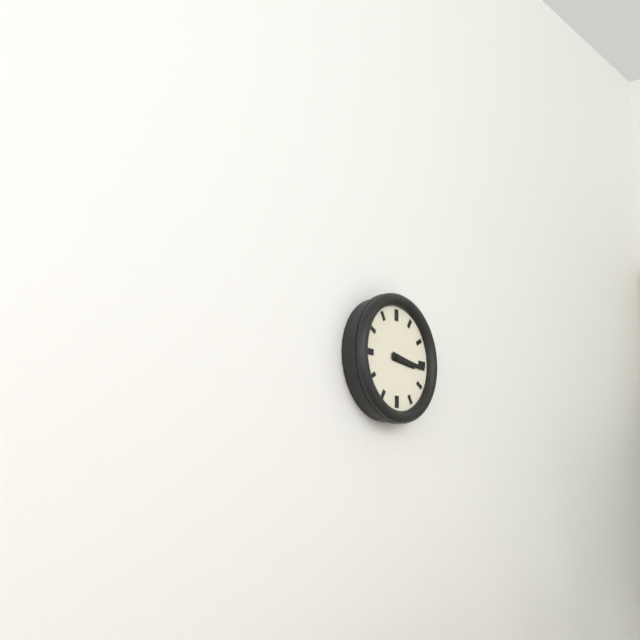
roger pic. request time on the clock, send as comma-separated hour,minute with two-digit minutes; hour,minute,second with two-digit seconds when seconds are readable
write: 3,16
